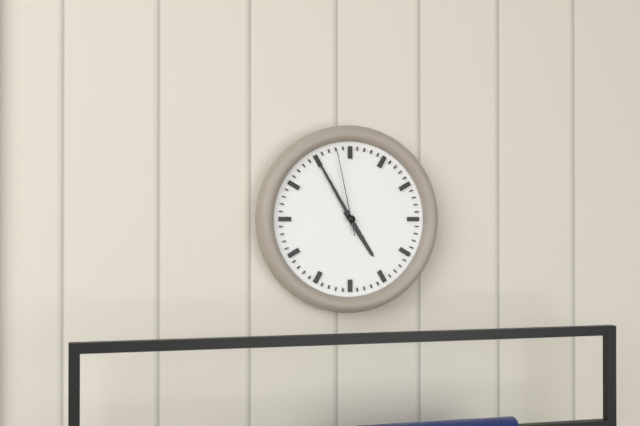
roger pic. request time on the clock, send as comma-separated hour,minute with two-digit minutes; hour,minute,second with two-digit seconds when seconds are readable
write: 4,55,58
